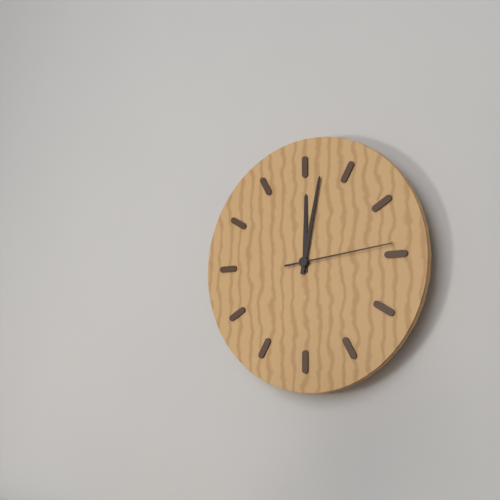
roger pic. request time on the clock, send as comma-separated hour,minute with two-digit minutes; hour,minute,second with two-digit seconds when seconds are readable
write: 12,02,14
